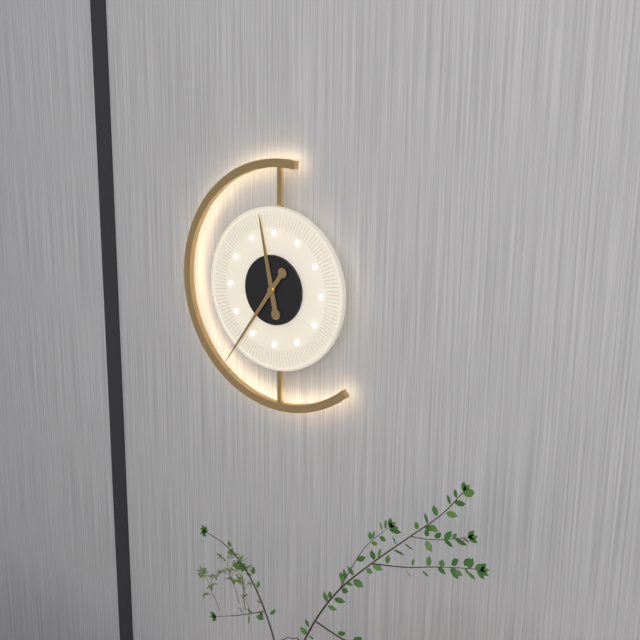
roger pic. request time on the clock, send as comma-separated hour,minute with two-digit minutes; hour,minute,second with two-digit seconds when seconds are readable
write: 11,36
